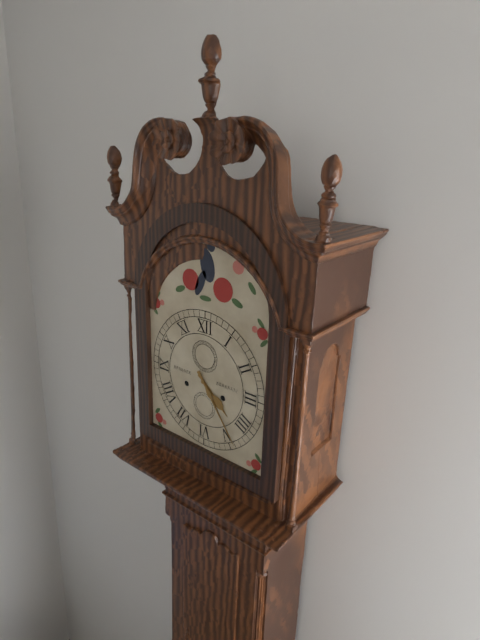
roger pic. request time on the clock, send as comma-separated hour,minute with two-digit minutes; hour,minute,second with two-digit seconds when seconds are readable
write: 4,24
